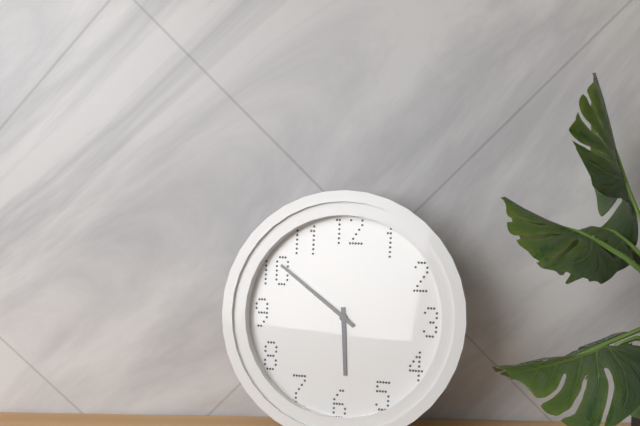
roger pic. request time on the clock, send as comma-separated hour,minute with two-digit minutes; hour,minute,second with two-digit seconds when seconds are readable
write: 5,51
